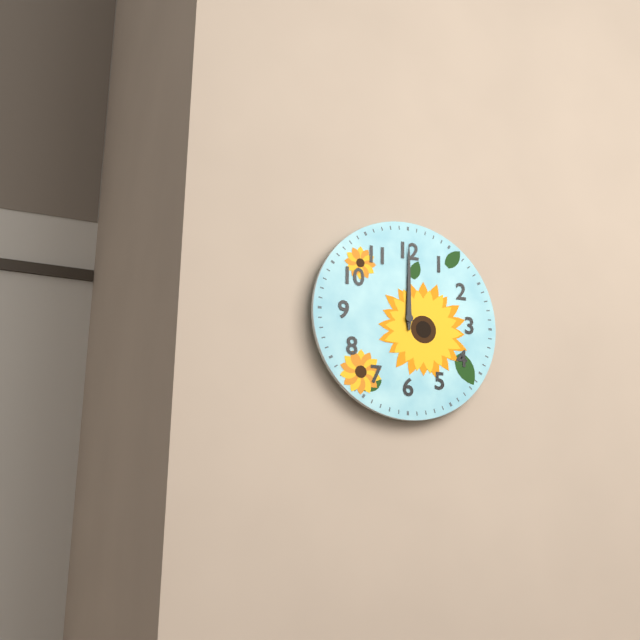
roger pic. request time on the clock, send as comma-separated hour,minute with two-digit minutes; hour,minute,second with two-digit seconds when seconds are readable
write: 12,00
